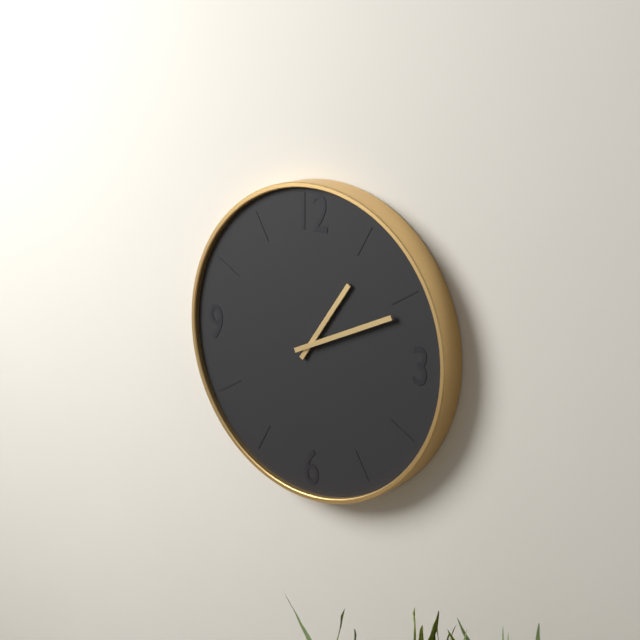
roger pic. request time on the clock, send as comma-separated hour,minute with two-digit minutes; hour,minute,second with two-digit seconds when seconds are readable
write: 1,11
